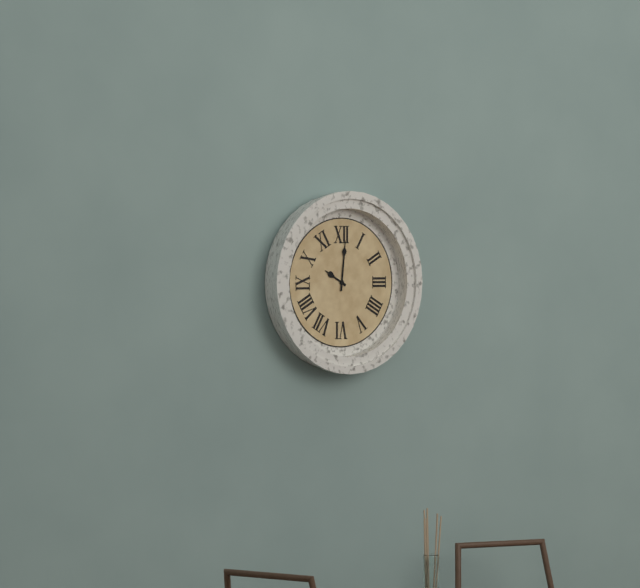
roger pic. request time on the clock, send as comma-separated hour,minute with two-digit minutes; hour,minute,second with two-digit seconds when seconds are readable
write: 10,01
